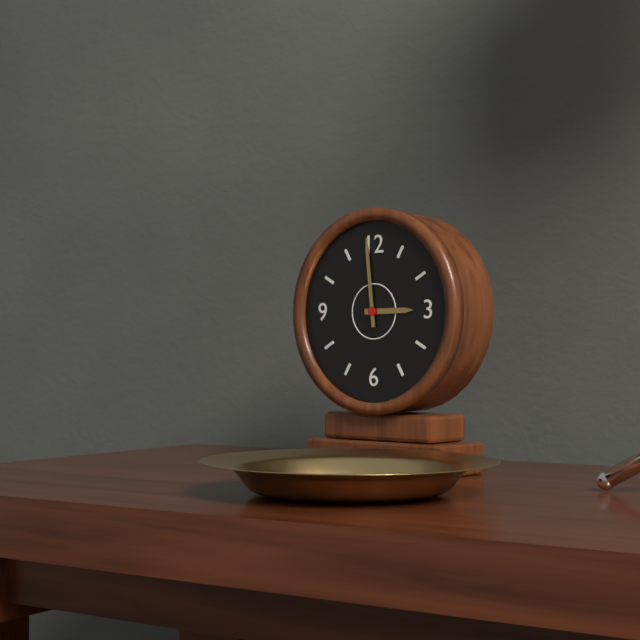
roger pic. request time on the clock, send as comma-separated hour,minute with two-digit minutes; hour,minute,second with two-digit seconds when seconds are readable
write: 2,59
